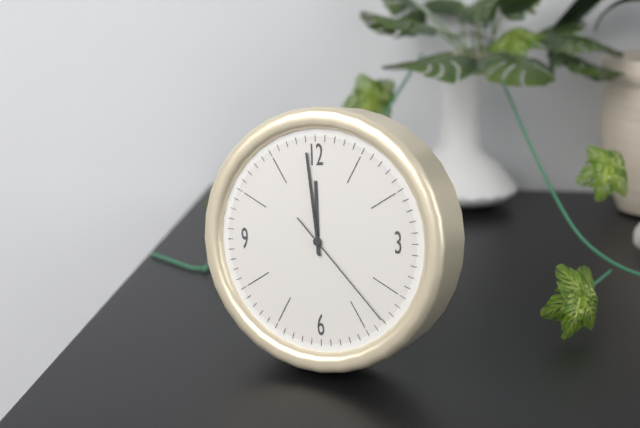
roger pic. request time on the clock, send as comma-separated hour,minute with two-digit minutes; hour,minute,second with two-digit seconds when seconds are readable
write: 11,59,23
